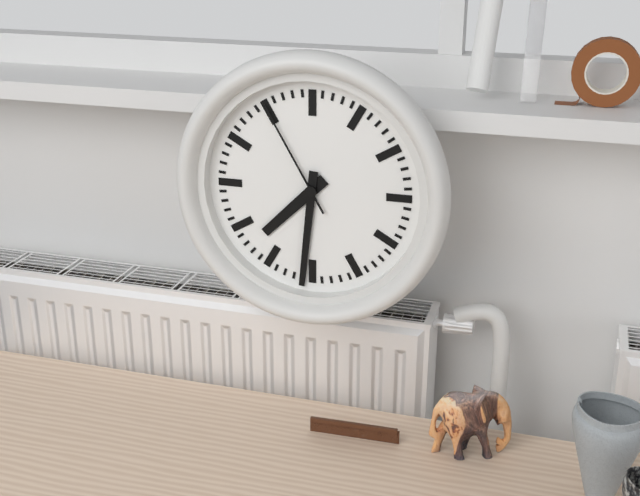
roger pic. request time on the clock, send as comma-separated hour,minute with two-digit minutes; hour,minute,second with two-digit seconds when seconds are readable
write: 7,31,55
